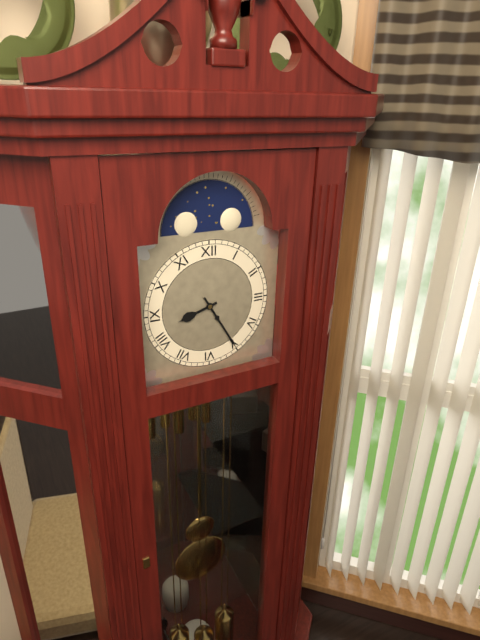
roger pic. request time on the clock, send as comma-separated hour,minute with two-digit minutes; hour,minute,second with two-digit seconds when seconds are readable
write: 8,25
